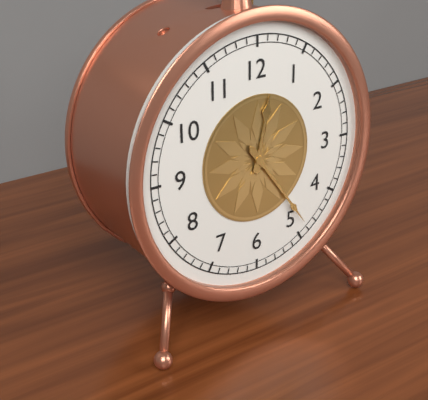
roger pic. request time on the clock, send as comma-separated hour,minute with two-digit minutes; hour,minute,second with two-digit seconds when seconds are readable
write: 12,24
